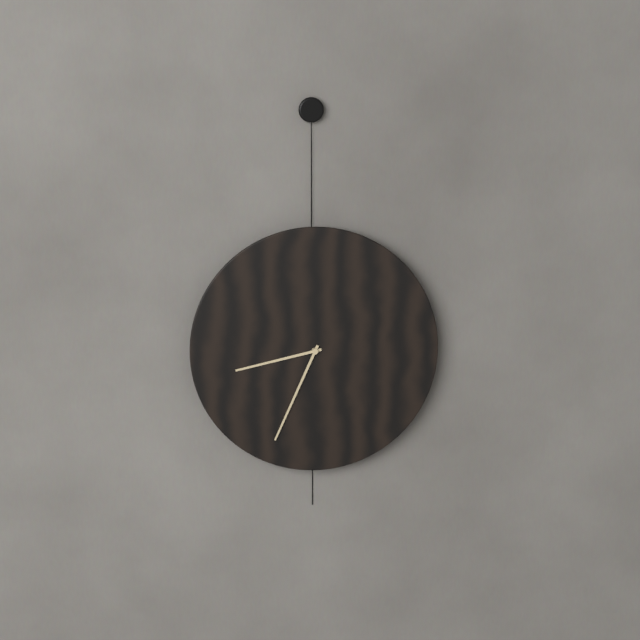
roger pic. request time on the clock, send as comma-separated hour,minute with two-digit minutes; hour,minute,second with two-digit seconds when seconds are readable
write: 8,34
